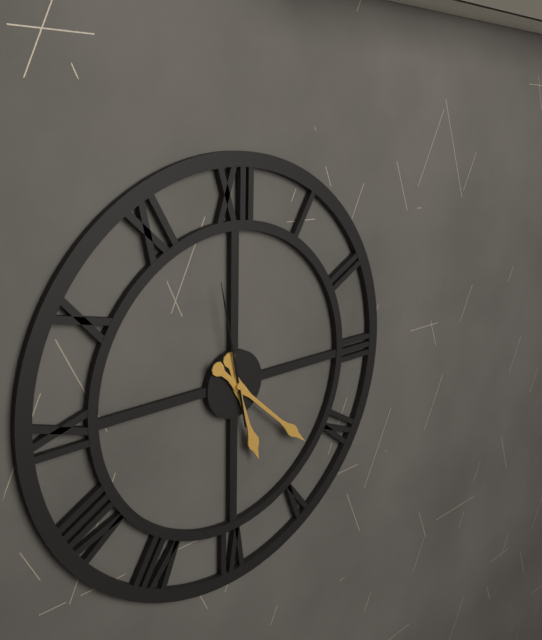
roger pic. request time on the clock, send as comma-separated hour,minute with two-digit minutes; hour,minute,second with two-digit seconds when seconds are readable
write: 5,22,58
